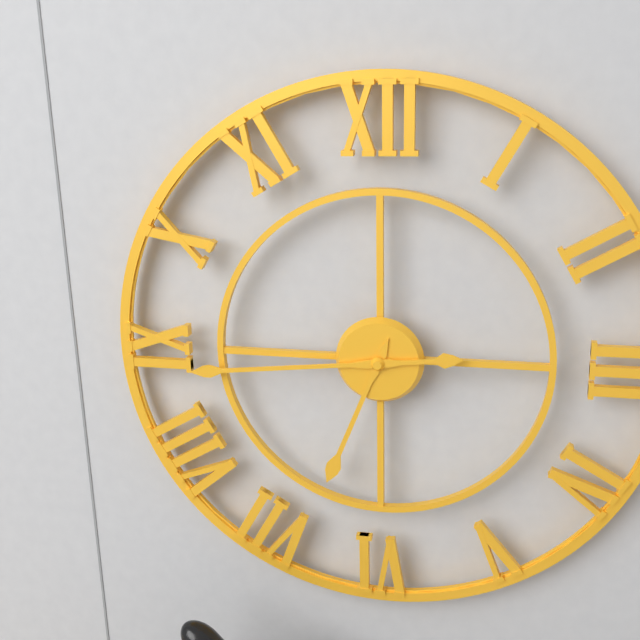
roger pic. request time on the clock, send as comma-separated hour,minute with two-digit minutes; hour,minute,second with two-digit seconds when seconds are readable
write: 6,44
